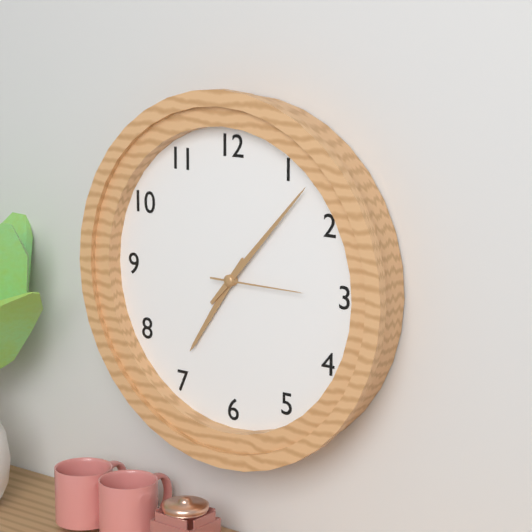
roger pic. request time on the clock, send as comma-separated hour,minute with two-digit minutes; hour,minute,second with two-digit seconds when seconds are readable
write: 7,07,15
